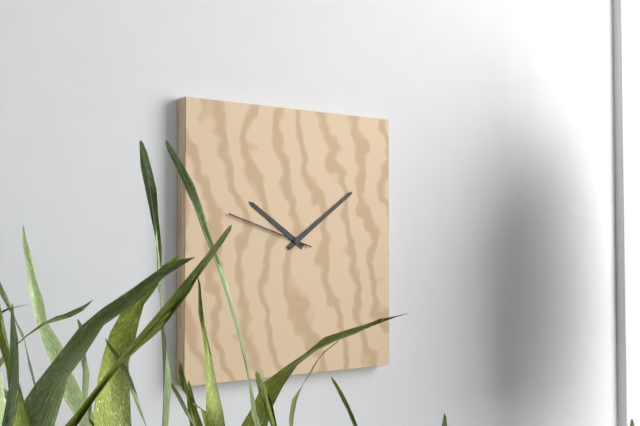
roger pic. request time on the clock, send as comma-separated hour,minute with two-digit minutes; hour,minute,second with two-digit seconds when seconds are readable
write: 10,09,48
